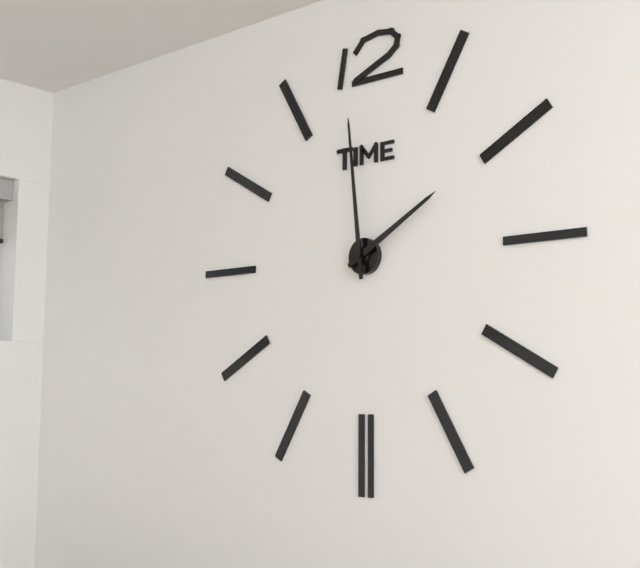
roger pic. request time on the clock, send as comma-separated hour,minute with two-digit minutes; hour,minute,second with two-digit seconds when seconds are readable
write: 1,59
